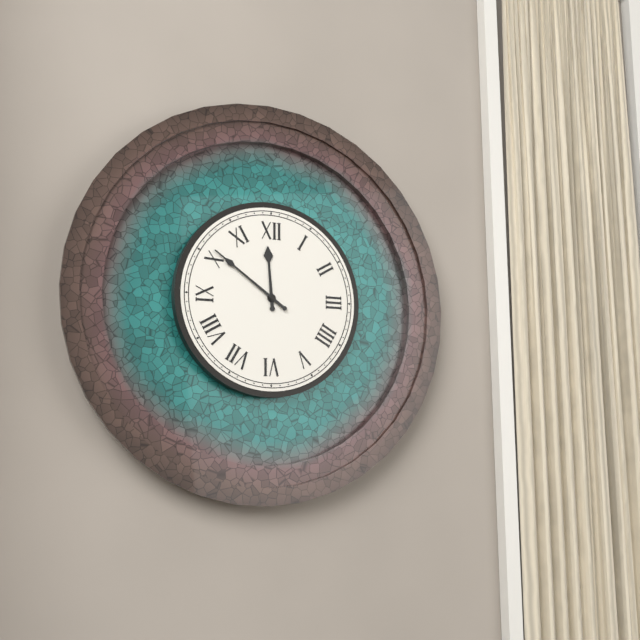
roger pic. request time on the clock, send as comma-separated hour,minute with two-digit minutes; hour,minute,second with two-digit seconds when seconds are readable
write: 11,51
